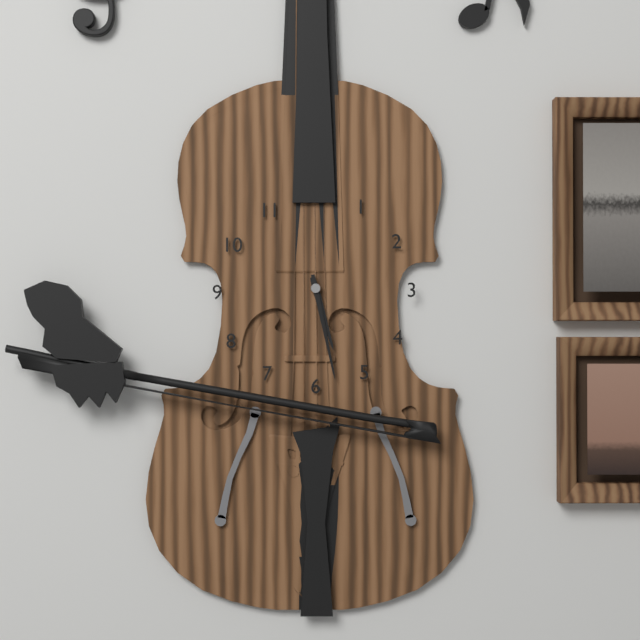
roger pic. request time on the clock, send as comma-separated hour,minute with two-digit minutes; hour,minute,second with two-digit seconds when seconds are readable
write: 5,28
